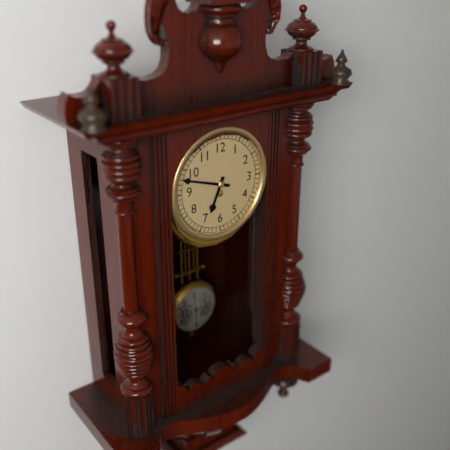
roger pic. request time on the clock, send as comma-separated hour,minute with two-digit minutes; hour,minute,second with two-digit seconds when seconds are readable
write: 6,48
